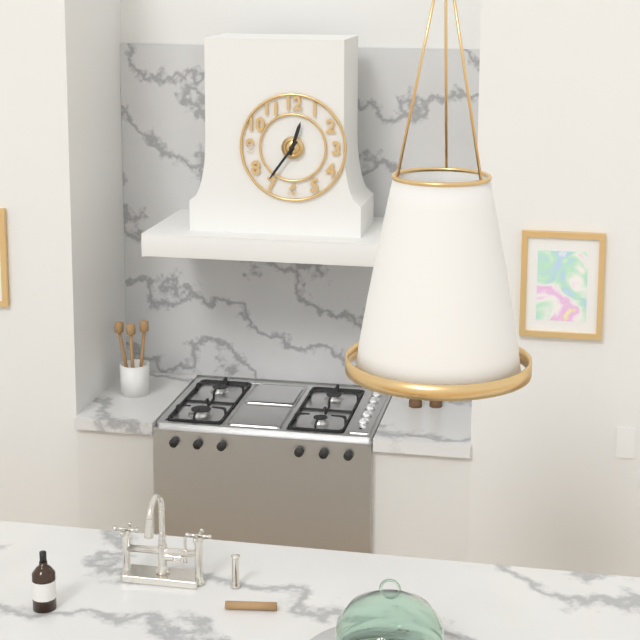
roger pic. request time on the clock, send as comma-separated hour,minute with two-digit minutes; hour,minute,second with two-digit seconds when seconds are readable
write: 12,36
